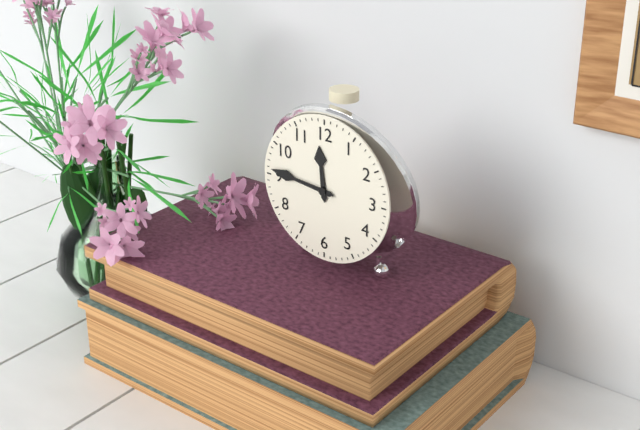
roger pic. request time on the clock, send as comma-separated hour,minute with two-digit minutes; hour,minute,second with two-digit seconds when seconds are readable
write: 11,46
